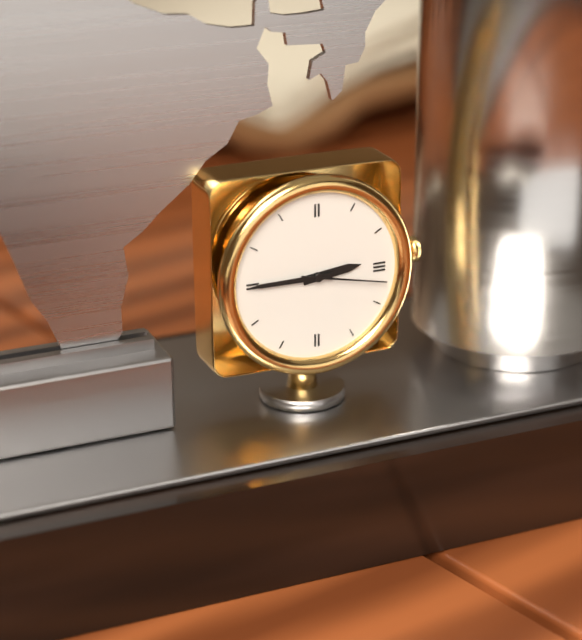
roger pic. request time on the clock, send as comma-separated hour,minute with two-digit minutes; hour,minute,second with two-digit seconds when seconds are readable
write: 2,45,17
